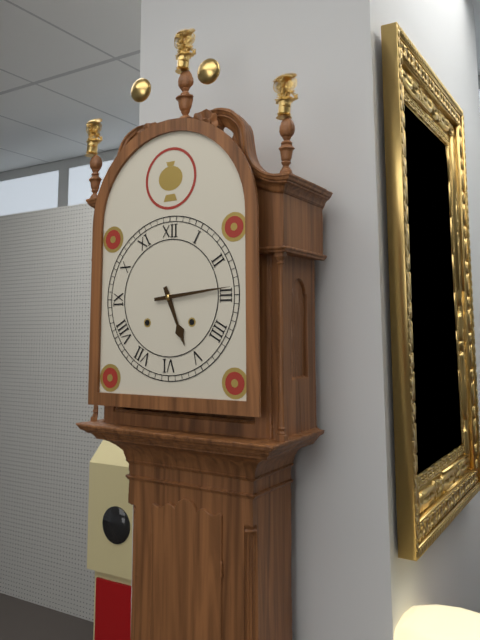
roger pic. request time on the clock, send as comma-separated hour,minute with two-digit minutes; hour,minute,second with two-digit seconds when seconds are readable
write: 5,14
